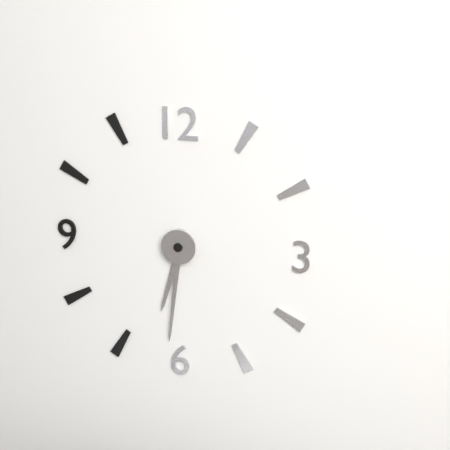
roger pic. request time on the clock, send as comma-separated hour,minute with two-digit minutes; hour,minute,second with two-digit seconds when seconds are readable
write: 6,31
